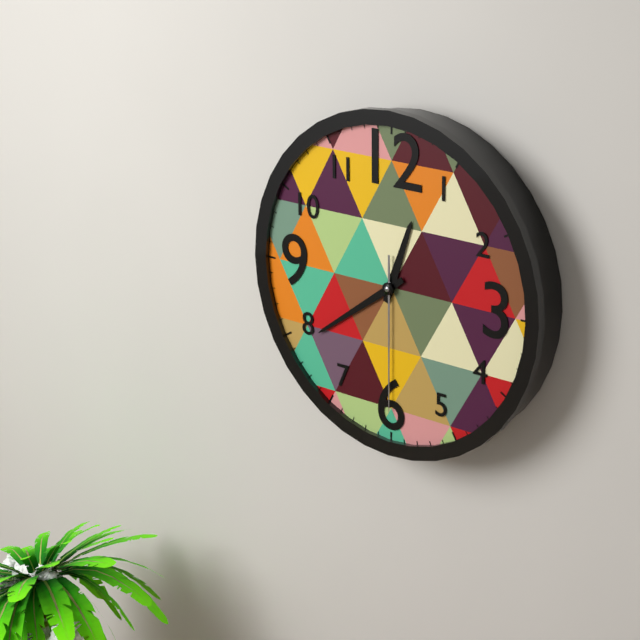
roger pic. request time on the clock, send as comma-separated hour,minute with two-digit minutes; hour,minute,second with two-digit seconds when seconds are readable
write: 12,39,30
